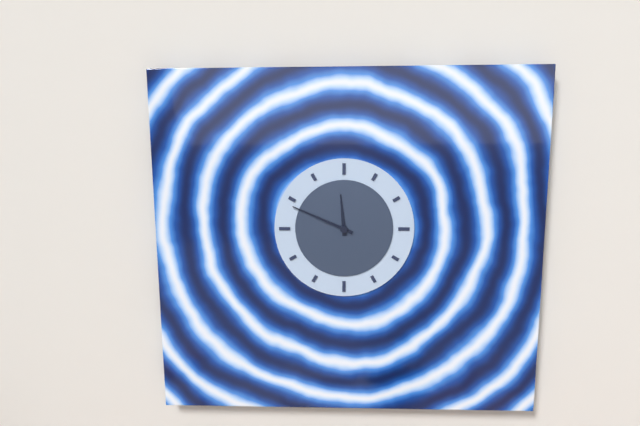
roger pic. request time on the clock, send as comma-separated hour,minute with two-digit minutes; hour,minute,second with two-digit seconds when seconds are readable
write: 11,49
